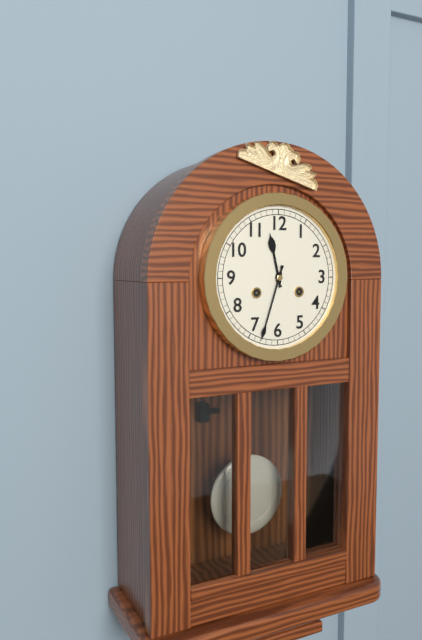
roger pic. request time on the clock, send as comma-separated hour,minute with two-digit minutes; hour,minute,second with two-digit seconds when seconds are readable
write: 11,33
